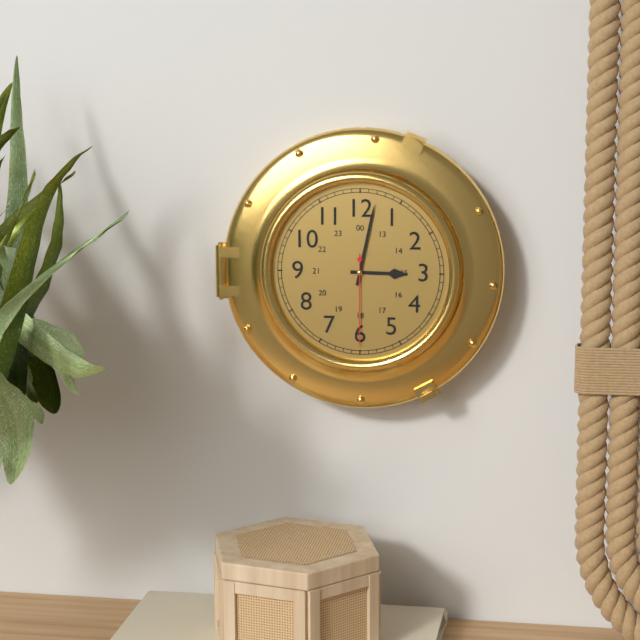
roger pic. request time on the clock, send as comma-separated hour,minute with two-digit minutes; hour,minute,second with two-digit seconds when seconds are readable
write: 3,02,30
